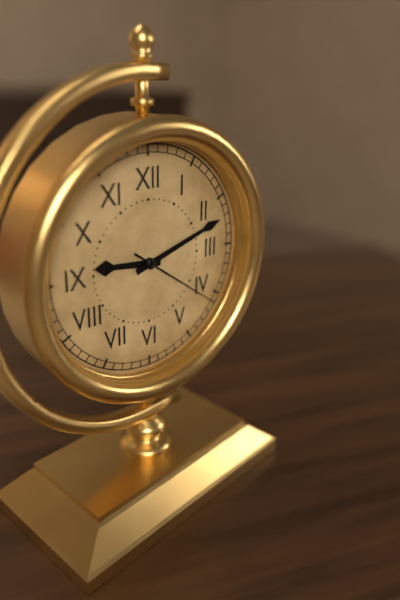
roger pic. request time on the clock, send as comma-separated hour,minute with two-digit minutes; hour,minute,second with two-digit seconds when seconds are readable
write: 9,12,21
